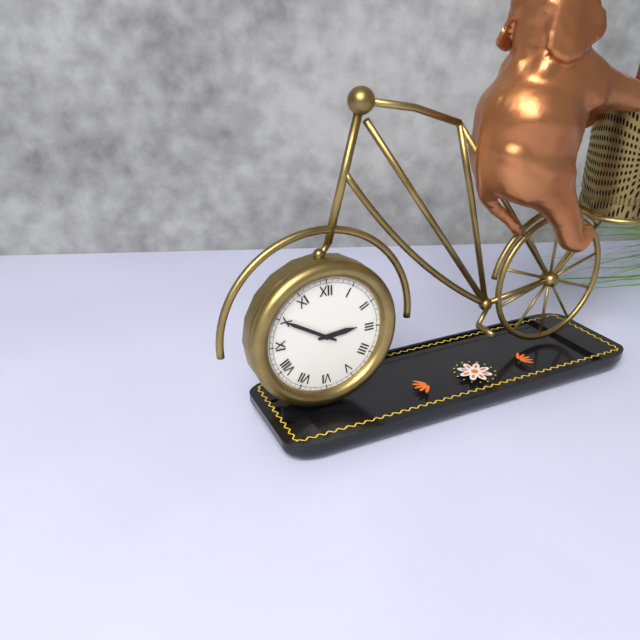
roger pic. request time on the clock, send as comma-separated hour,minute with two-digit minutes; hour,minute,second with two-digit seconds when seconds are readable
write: 2,50
